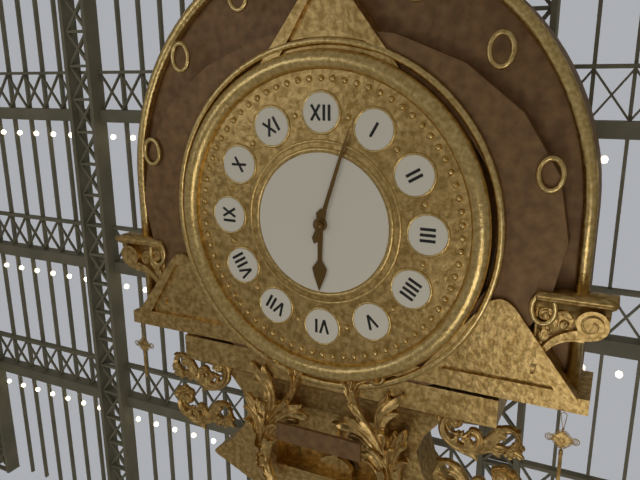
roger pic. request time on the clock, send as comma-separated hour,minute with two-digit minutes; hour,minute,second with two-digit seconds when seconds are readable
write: 6,03
